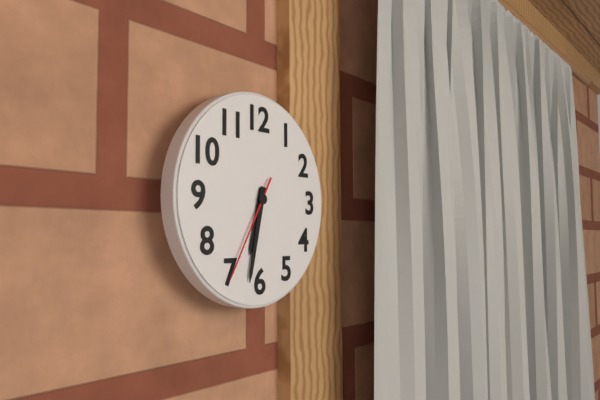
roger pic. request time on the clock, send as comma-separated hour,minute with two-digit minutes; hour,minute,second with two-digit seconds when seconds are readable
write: 6,32,35
